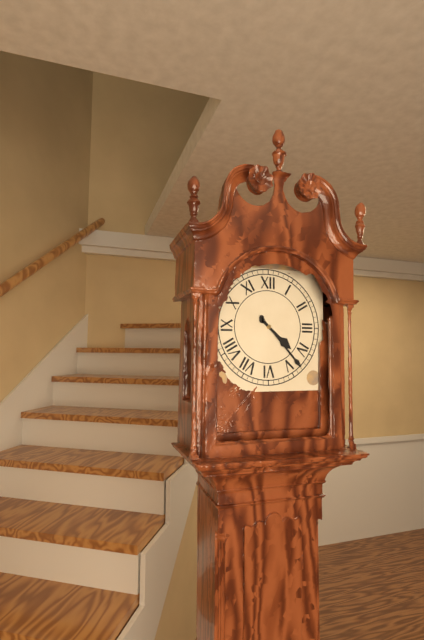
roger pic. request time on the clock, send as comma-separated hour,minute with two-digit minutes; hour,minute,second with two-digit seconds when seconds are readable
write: 4,23
